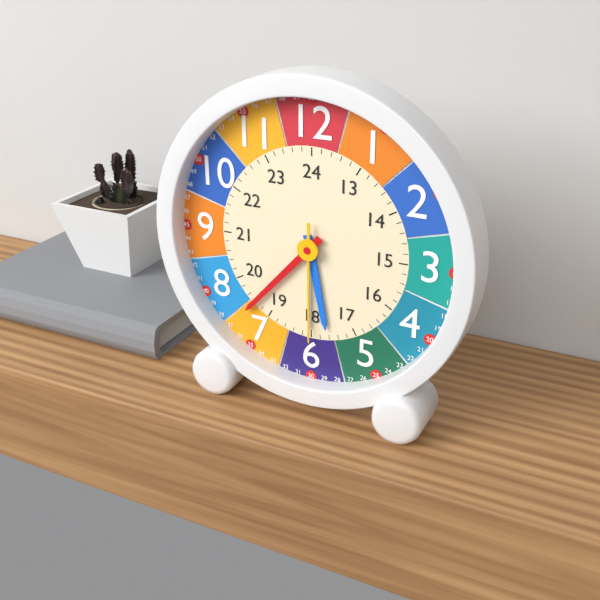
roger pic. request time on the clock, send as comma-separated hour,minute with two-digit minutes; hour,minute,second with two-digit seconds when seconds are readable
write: 5,37,30
